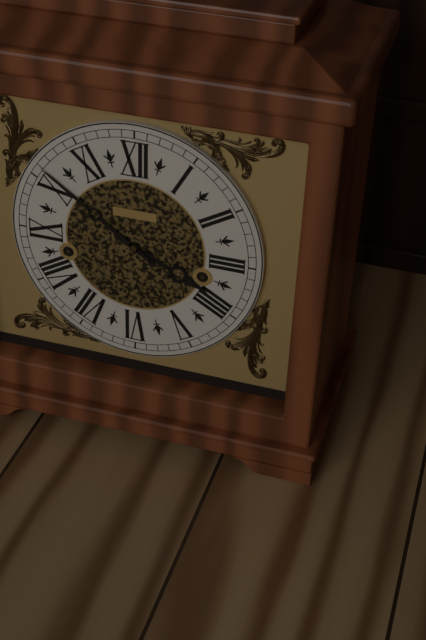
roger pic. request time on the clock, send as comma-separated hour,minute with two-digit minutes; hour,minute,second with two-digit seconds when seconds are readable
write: 3,51
